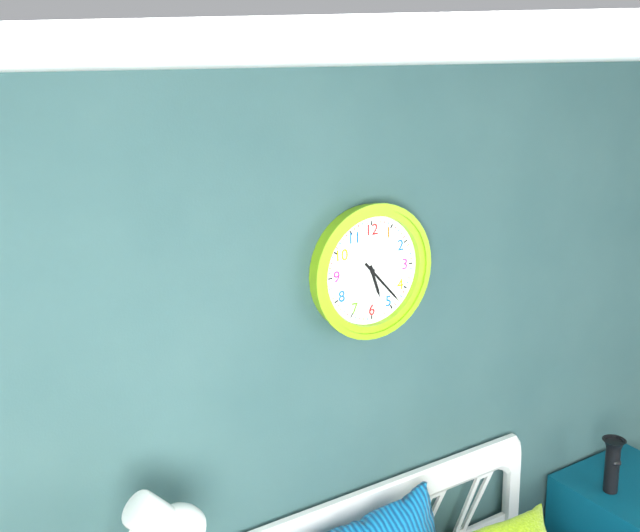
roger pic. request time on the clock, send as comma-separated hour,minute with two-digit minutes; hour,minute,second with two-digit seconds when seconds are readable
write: 5,23
